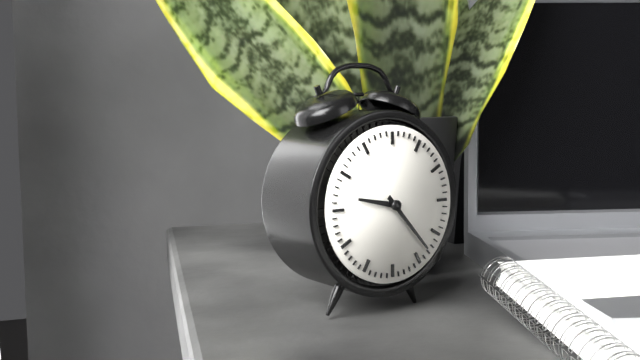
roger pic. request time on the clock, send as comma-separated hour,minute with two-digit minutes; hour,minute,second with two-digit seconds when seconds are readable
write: 9,23
